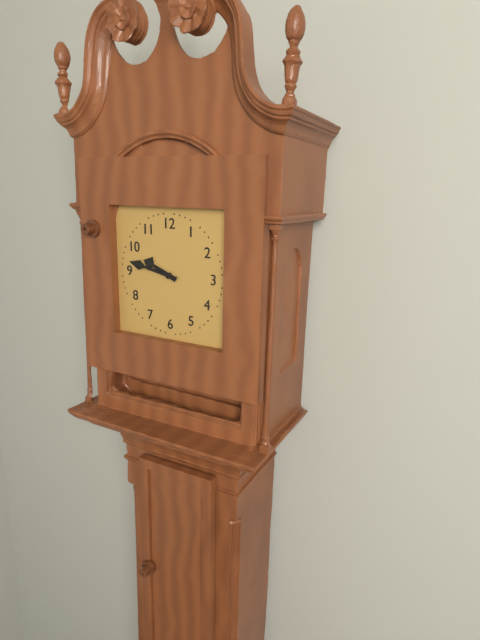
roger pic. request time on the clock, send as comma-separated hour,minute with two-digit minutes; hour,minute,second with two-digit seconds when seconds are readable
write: 9,47
